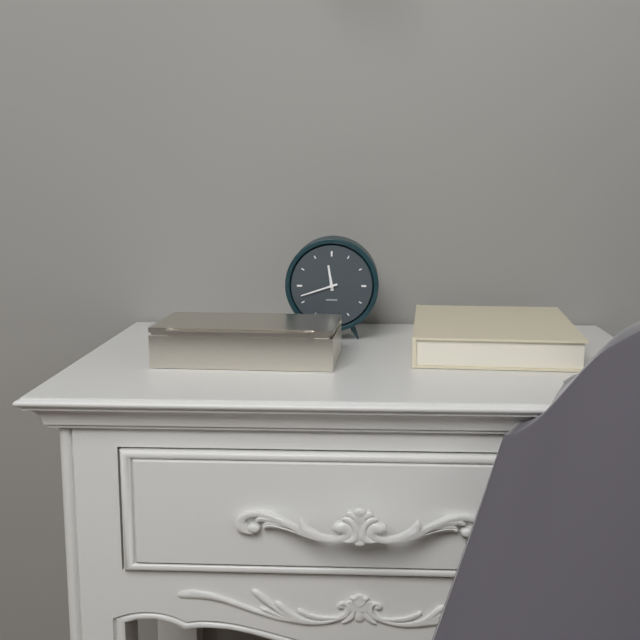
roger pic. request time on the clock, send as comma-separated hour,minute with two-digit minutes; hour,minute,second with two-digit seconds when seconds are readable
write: 11,42
